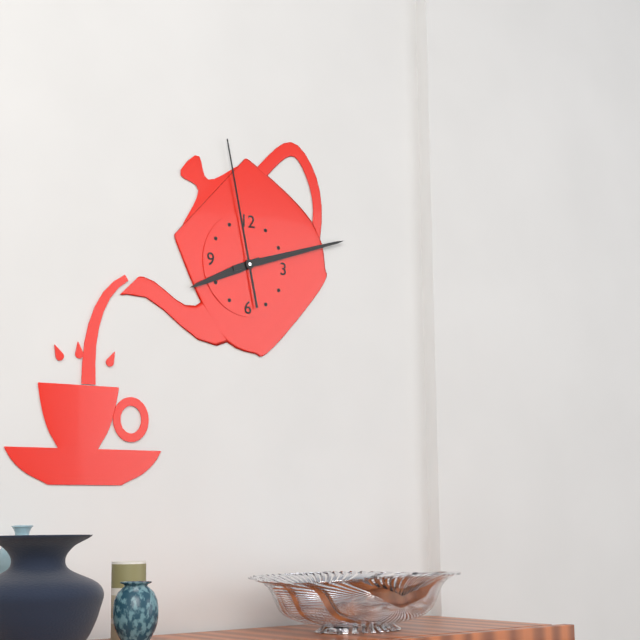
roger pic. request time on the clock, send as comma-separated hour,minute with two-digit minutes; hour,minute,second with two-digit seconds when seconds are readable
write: 8,12,58
